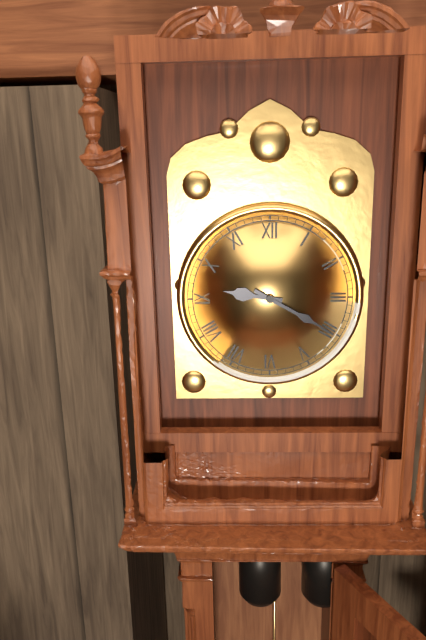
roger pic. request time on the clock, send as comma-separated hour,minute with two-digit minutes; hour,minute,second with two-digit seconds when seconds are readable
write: 9,20
